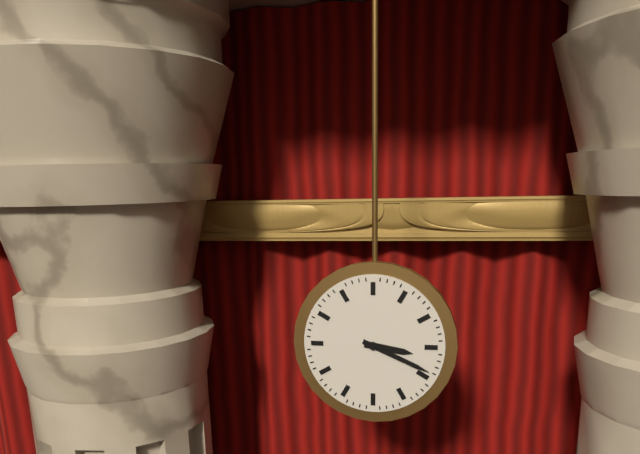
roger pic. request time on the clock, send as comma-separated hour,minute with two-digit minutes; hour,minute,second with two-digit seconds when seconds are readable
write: 3,19
